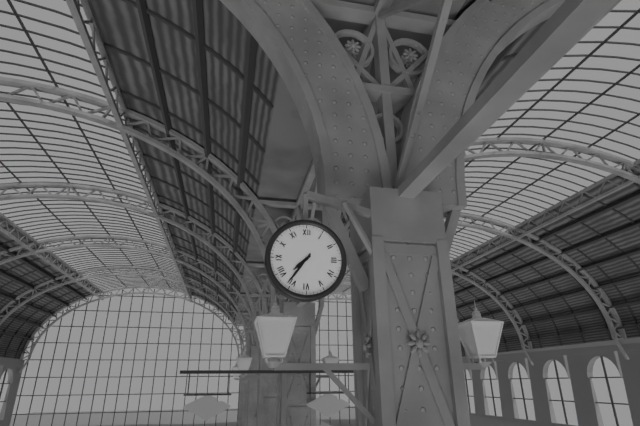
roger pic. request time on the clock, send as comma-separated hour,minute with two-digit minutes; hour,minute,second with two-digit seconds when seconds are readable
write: 7,36
